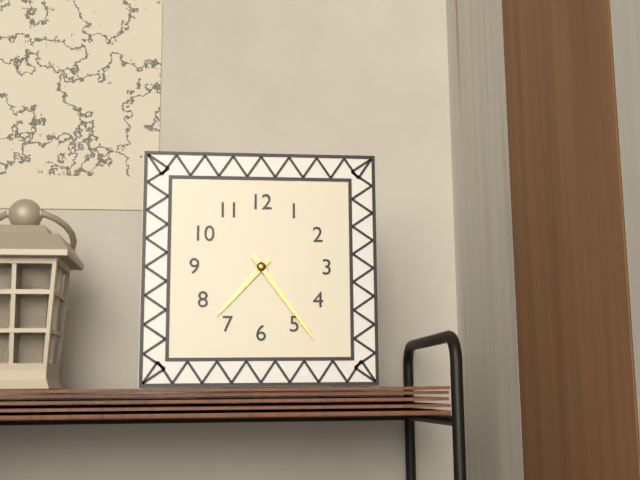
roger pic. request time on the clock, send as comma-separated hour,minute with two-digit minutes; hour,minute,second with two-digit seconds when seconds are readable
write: 7,24
